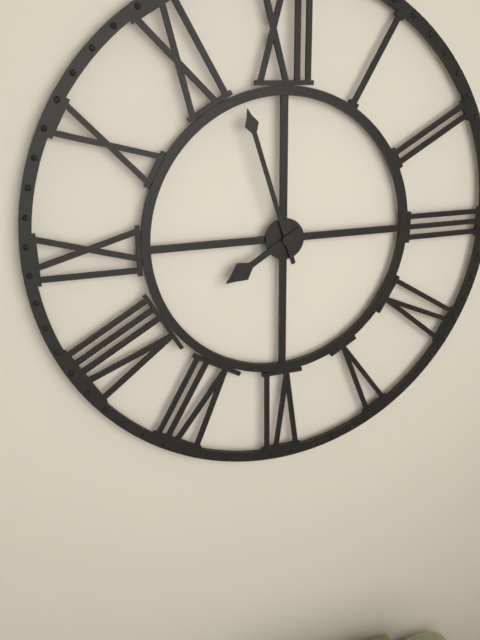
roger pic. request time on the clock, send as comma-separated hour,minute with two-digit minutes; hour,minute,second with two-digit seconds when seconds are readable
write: 7,57
